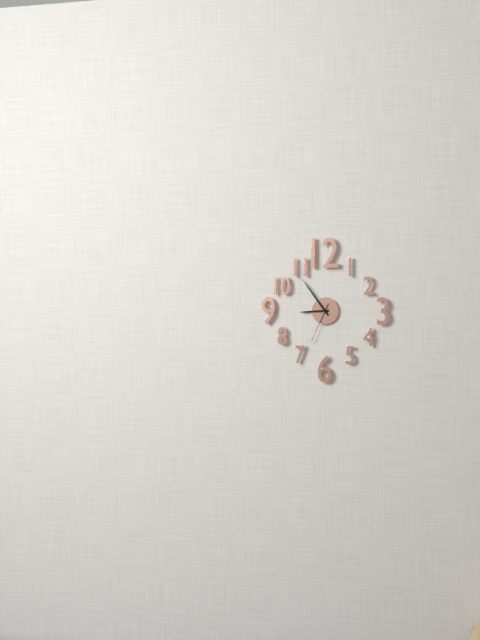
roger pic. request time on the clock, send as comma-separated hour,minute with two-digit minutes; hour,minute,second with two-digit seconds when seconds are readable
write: 8,54
